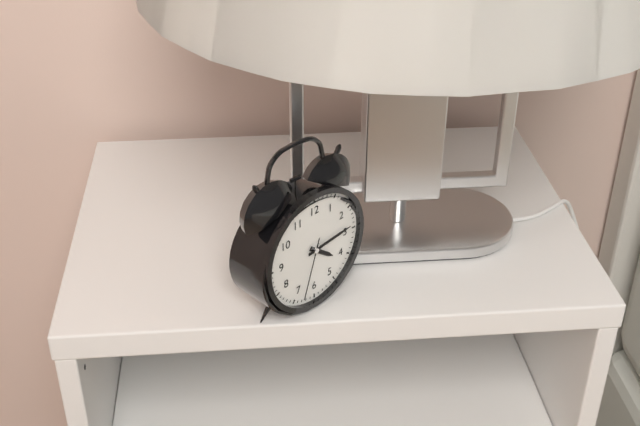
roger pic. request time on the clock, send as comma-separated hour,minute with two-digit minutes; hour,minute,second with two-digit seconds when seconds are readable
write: 4,14,33
